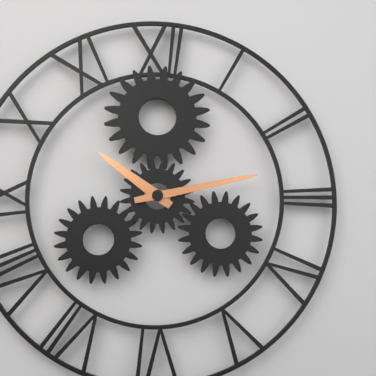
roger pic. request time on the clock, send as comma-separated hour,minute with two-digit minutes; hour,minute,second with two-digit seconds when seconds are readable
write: 10,13
